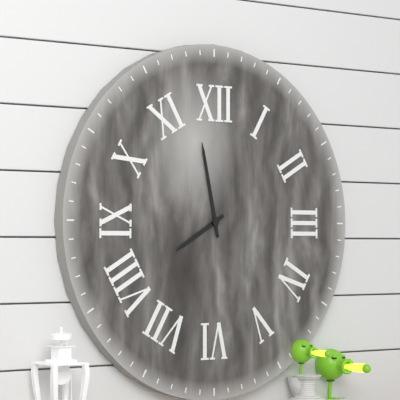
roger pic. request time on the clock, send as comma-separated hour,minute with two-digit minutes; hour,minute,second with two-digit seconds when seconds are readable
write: 7,58
